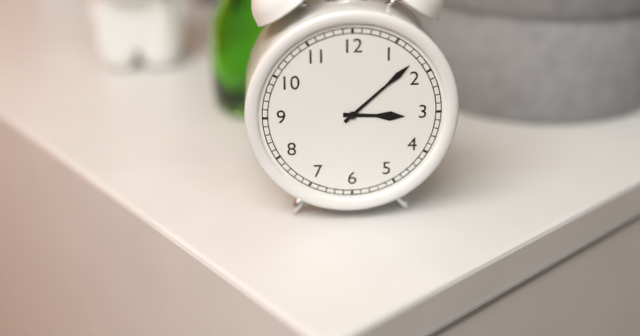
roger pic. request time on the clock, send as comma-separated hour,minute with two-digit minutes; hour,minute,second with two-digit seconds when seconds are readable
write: 3,08
